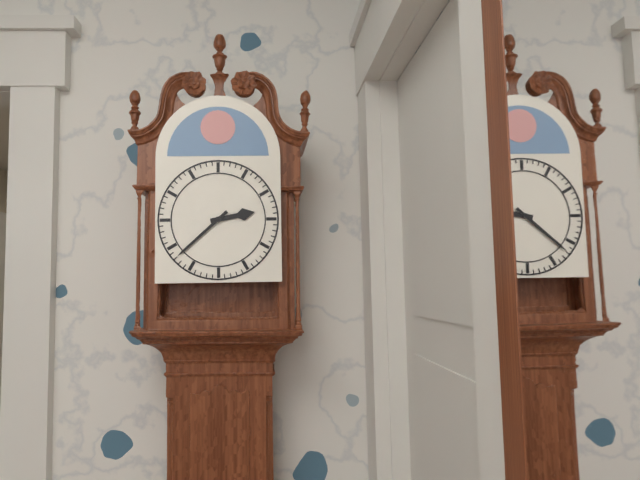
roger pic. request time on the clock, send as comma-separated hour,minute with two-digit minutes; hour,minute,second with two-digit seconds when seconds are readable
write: 2,38
